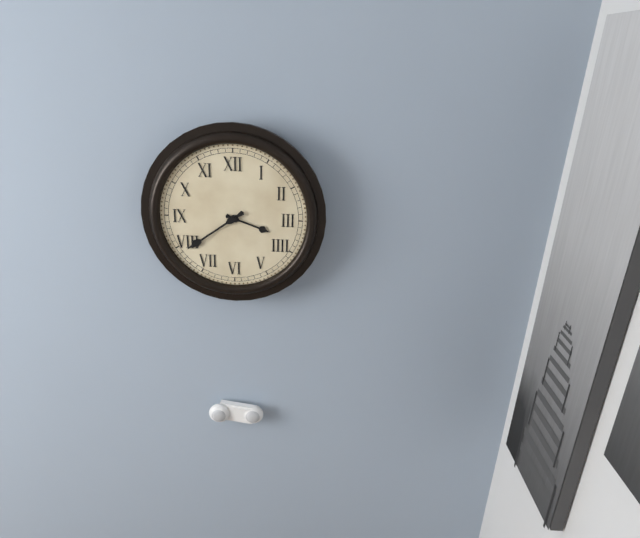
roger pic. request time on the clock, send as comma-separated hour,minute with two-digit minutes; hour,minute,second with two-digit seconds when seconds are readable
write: 3,39
